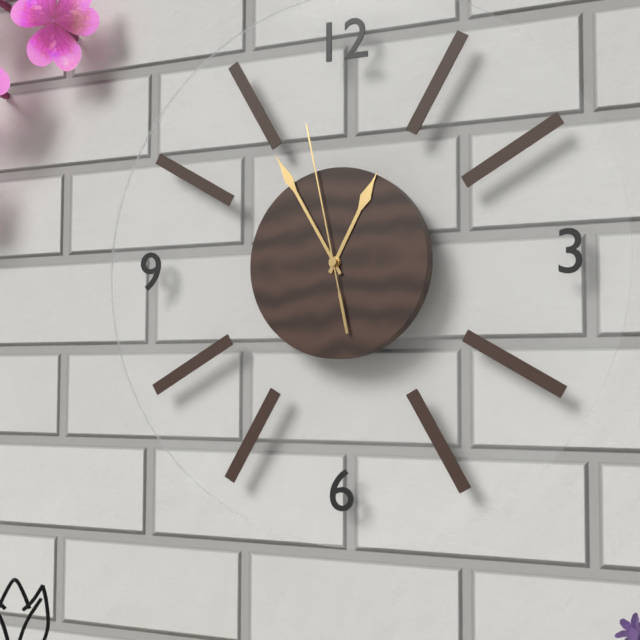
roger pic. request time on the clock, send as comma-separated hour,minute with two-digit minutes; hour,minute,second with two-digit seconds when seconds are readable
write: 12,55,58
